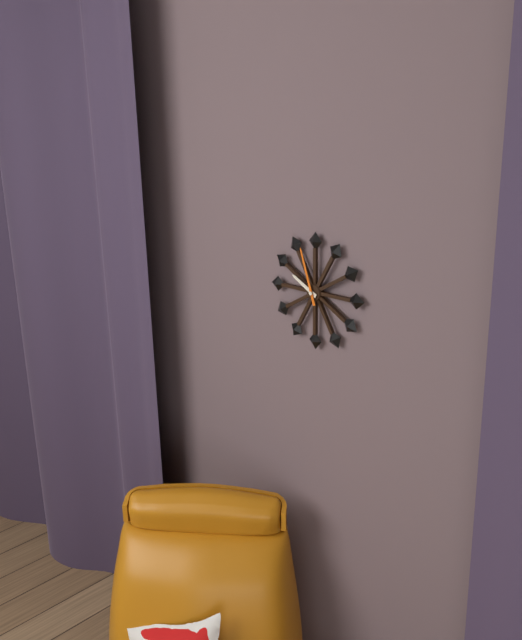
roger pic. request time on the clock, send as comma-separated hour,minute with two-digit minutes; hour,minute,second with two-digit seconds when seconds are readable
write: 9,57
